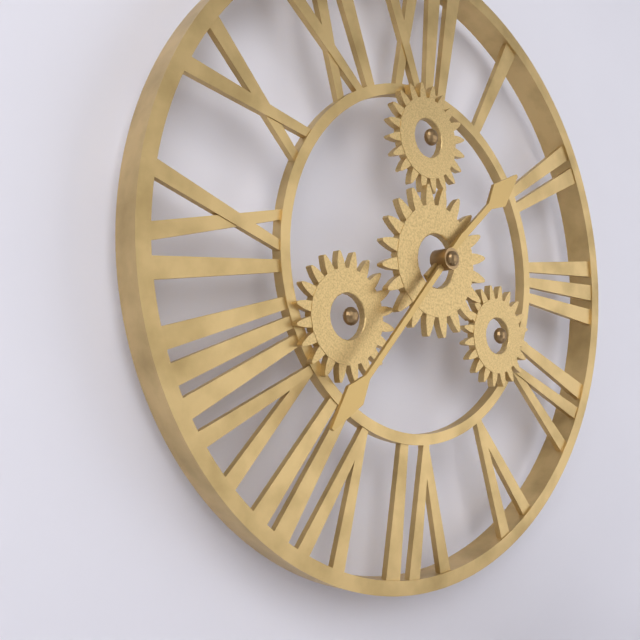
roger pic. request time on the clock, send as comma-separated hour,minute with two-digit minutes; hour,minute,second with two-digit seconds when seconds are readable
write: 1,37
